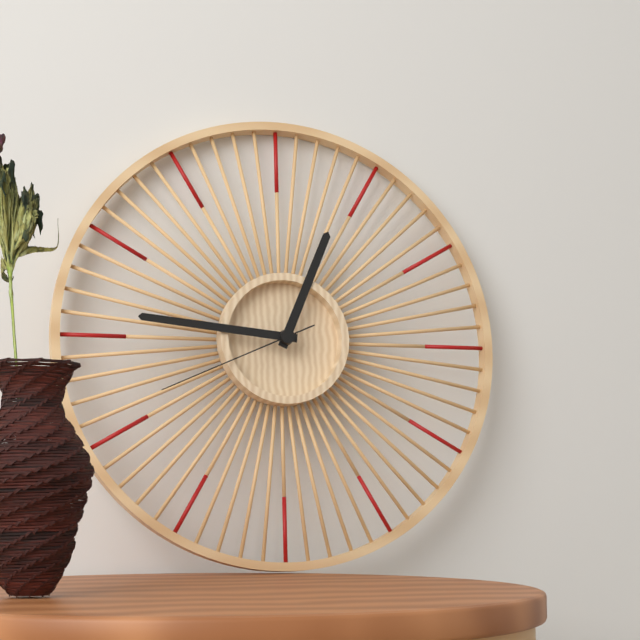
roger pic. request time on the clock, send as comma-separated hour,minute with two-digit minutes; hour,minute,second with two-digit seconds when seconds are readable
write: 12,46,41
